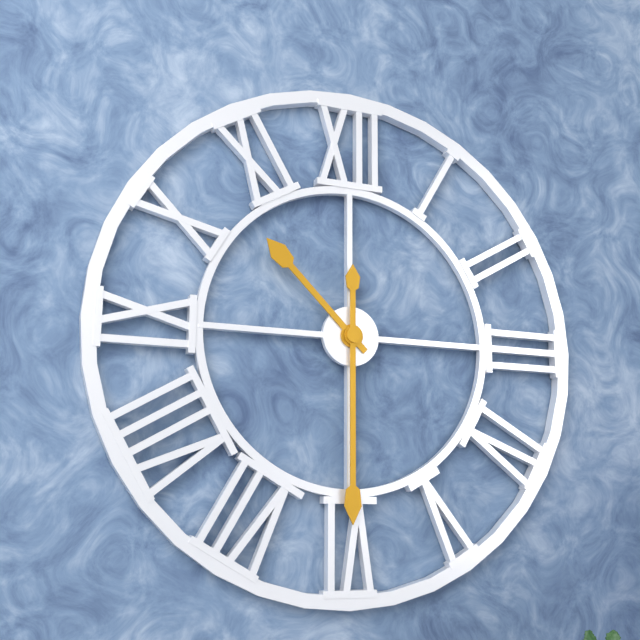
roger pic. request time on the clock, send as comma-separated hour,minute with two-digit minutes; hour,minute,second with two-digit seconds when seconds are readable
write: 10,30
